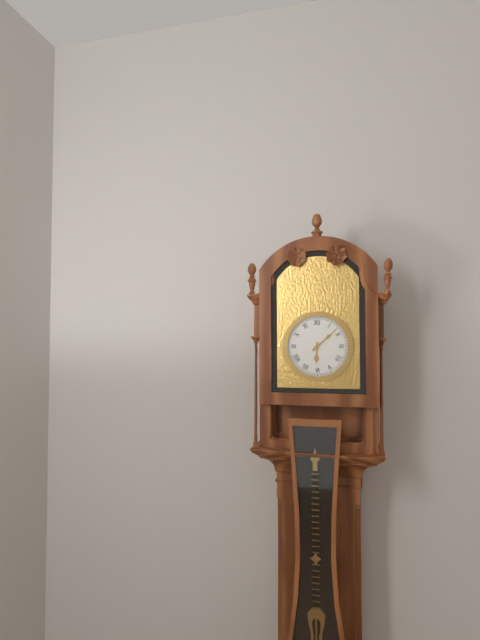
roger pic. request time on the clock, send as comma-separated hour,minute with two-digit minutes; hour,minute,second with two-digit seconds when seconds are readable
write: 6,08
